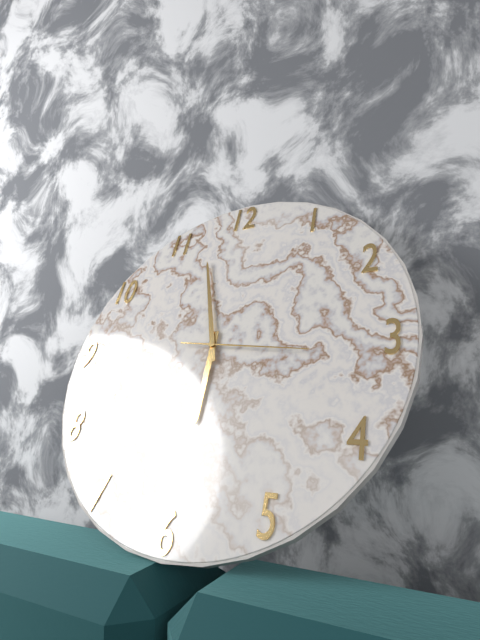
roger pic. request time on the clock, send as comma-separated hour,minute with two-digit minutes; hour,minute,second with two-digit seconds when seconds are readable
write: 5,57,16
